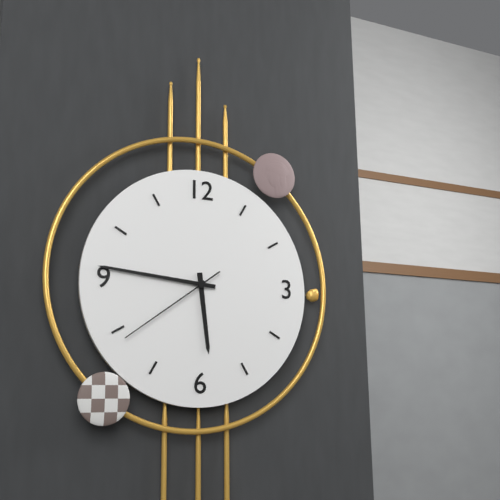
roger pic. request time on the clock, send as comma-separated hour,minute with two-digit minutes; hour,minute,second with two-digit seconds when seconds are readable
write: 5,46,39
